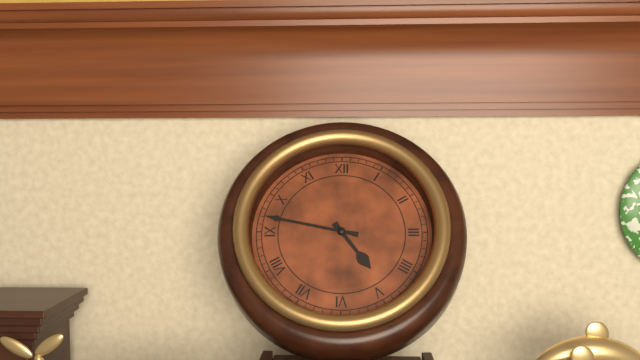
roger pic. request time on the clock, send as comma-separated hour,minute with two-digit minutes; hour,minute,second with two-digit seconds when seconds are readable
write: 4,47
